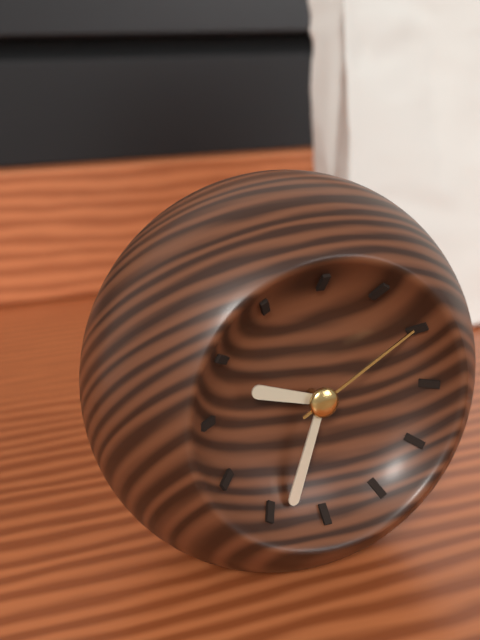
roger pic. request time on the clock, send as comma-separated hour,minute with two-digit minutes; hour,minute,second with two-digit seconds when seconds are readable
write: 9,33,10
